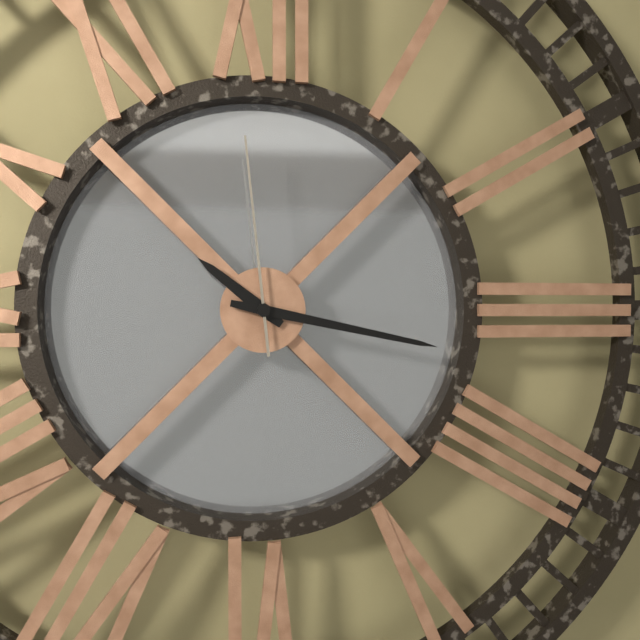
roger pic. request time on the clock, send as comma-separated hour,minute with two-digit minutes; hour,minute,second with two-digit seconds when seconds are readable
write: 10,17,59
